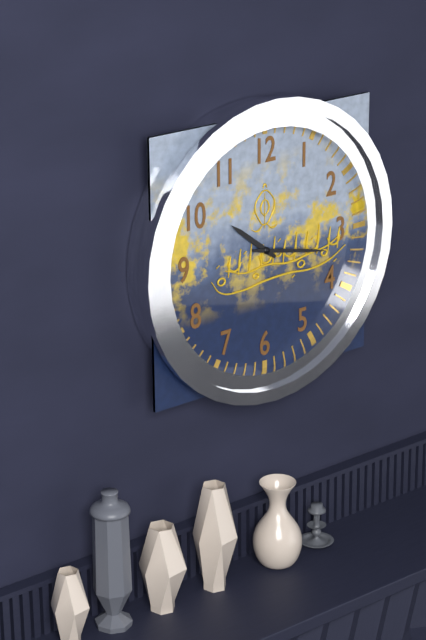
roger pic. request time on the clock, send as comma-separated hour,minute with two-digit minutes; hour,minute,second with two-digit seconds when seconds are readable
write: 10,17
